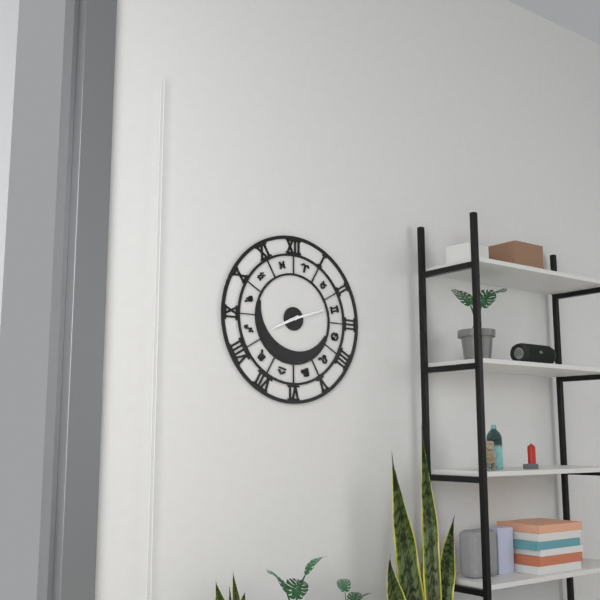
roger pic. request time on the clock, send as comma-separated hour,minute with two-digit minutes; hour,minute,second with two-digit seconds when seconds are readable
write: 8,12
